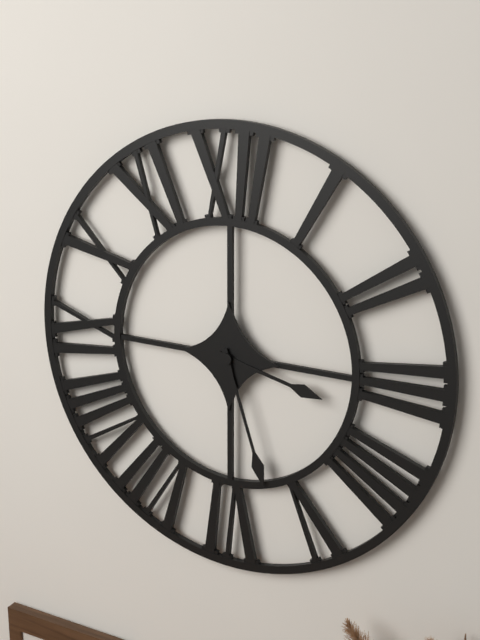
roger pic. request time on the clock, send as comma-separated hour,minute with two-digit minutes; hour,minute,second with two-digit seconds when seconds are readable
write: 3,27
